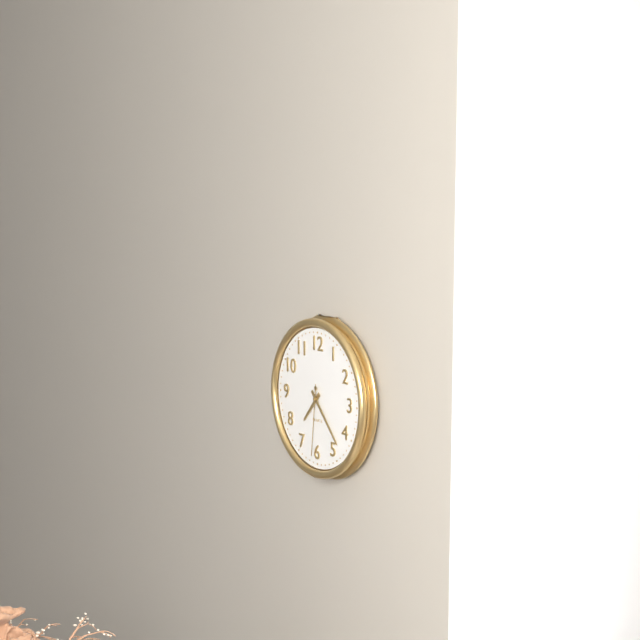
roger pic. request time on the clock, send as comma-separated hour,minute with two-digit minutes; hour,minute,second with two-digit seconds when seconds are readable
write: 7,23,31
